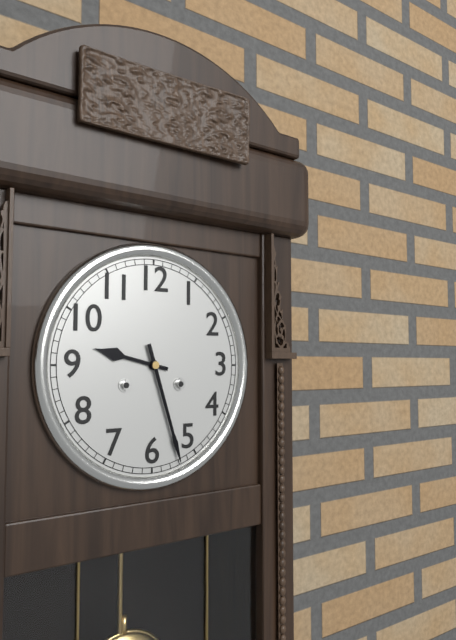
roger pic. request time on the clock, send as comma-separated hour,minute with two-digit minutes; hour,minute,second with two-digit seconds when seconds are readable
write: 9,27
